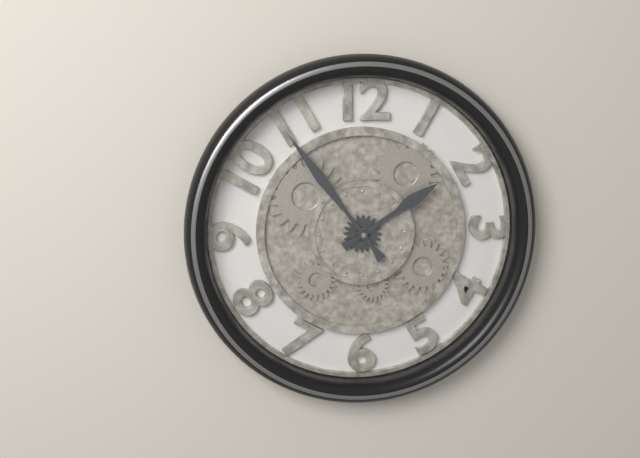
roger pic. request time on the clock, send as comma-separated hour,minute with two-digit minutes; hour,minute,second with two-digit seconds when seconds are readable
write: 1,54
